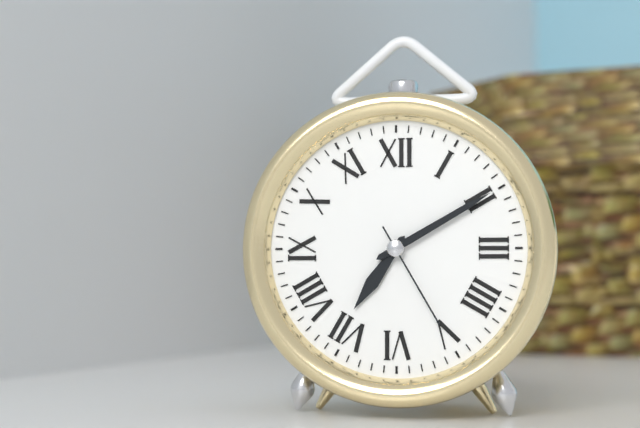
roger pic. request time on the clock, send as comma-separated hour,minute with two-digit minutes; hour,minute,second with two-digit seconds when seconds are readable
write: 7,10,25
